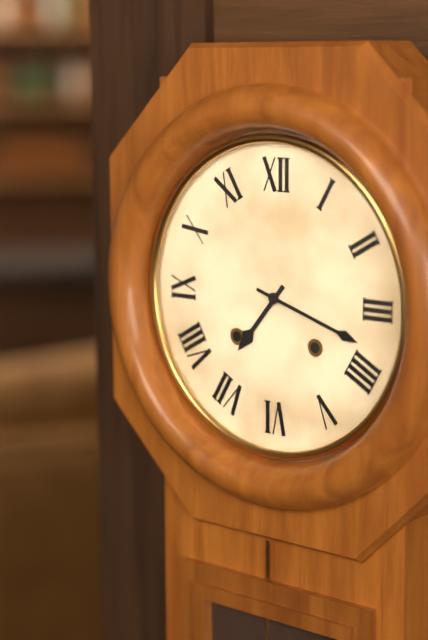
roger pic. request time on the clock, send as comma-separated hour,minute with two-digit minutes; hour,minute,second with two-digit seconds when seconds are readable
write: 7,18
